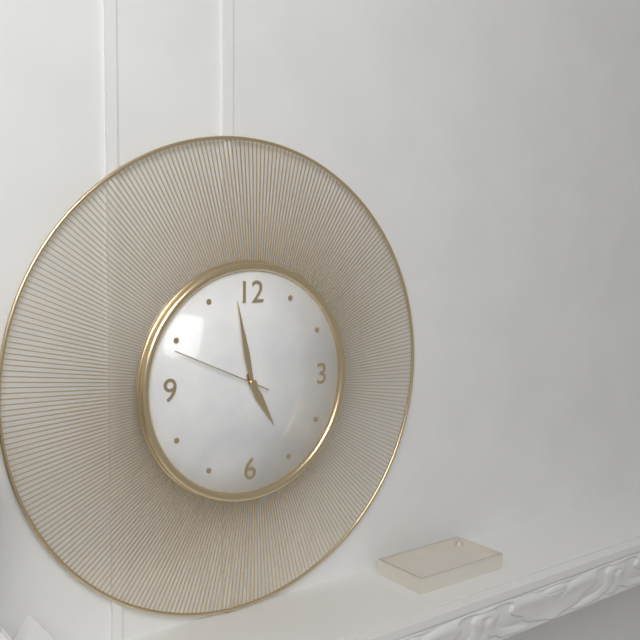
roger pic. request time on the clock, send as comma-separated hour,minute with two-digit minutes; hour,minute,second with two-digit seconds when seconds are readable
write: 4,58,49
